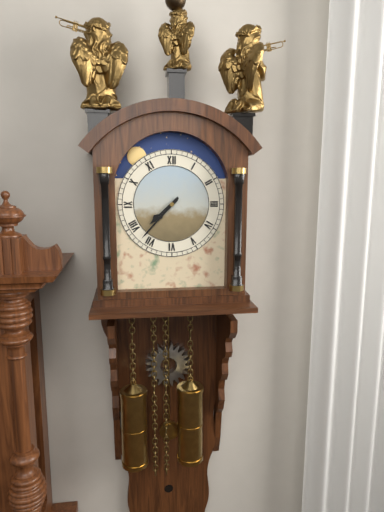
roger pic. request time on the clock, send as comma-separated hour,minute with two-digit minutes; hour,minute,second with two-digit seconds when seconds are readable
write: 7,37
